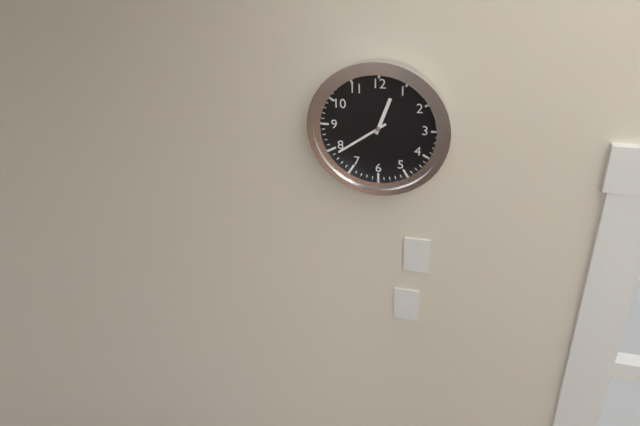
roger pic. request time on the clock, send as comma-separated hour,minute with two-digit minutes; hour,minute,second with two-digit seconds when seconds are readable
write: 12,39
